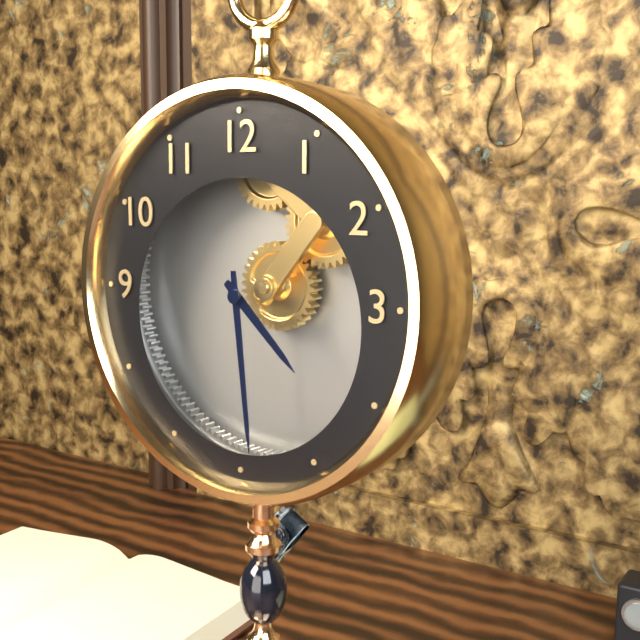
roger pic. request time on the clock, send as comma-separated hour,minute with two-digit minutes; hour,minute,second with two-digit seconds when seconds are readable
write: 4,29
